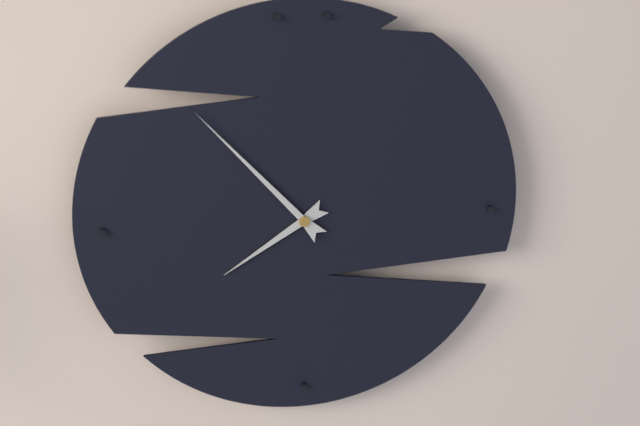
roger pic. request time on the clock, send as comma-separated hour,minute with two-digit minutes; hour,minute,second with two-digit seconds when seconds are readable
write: 7,53
